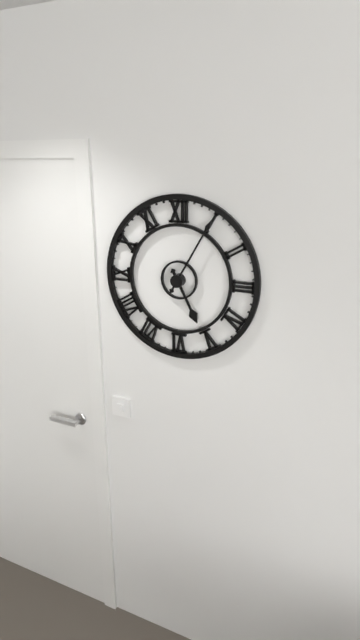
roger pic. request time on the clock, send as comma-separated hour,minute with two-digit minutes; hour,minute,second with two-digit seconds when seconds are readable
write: 5,05
